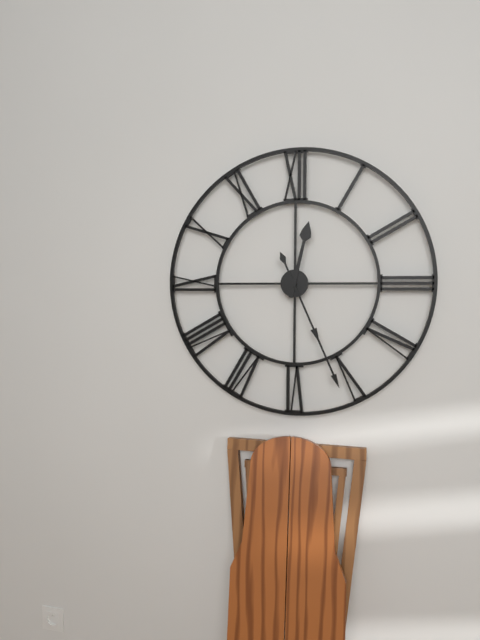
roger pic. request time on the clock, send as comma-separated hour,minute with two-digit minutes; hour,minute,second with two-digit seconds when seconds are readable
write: 12,26
